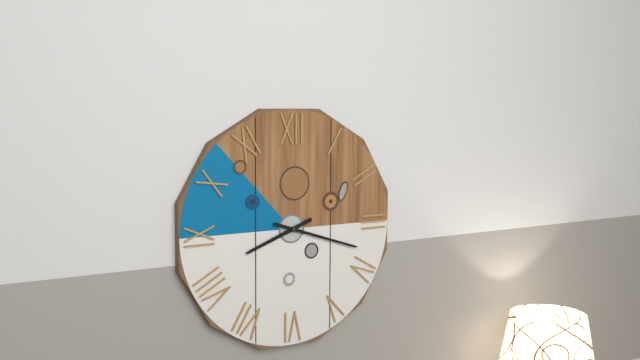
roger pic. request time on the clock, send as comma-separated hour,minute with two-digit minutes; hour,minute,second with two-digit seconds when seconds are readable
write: 8,18
